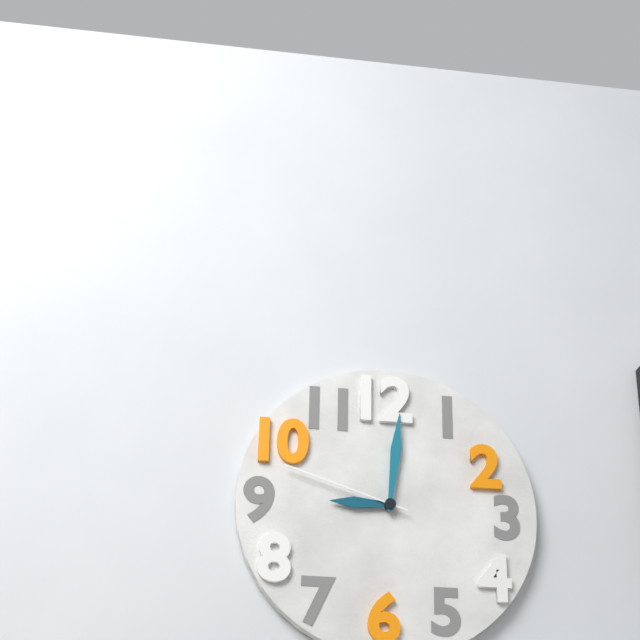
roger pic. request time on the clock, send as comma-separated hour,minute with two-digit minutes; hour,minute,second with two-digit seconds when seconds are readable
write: 9,01,48
